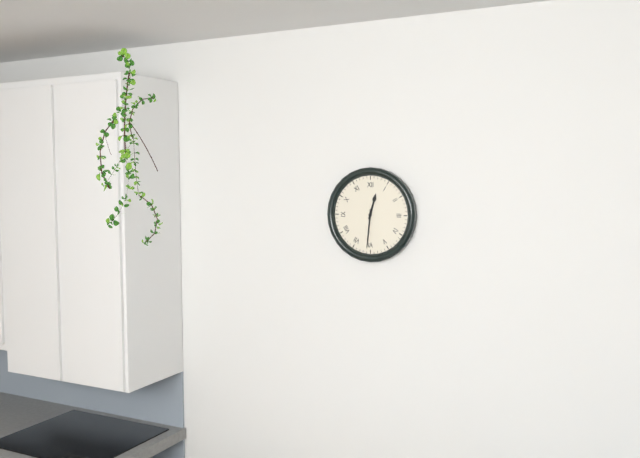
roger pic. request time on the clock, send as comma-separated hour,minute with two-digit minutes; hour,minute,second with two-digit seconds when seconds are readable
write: 12,31
